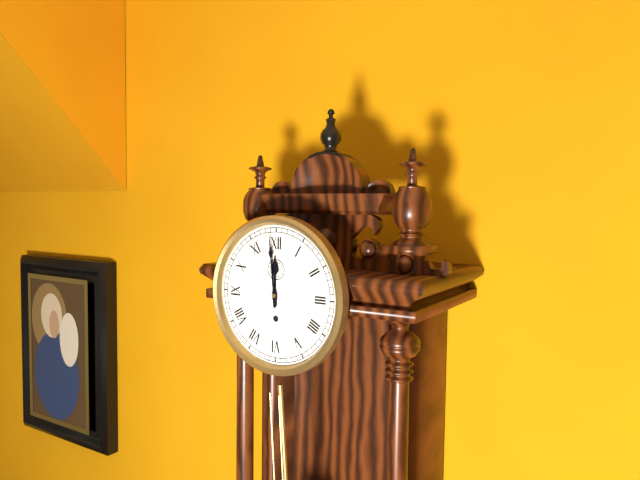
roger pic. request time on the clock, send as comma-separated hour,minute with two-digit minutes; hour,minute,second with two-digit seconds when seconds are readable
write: 11,59
